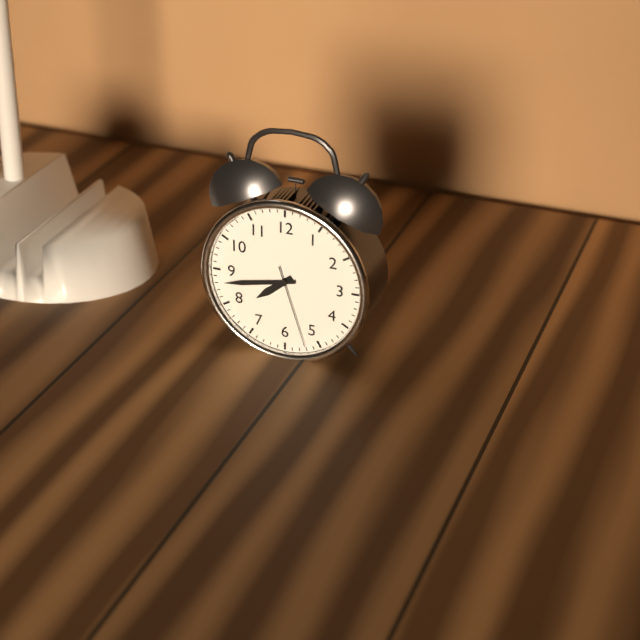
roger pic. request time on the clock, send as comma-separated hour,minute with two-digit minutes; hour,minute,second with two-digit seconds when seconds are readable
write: 7,43,27
